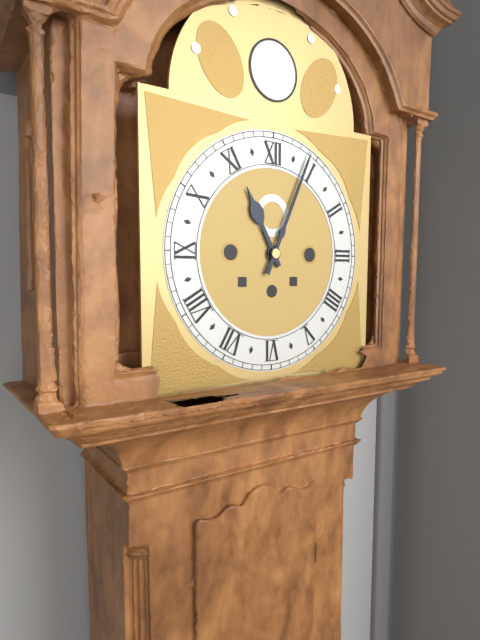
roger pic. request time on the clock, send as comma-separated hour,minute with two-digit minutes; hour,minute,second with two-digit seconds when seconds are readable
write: 11,04
